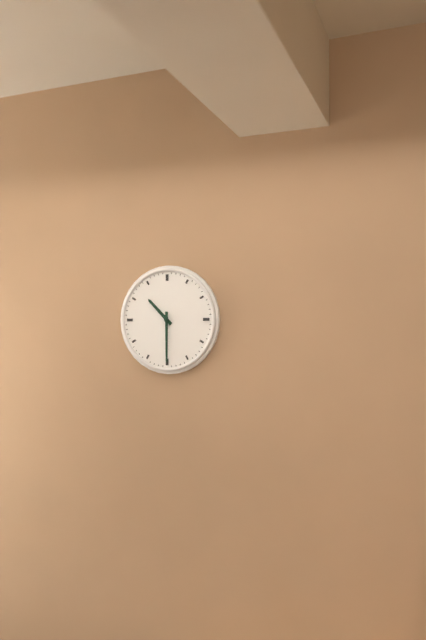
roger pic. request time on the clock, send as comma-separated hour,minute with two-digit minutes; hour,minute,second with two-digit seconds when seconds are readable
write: 10,30
